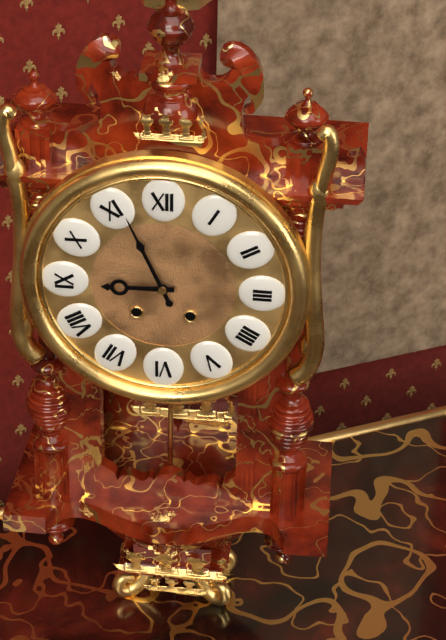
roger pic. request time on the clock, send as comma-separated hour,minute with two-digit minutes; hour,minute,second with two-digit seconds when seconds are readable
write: 8,56
